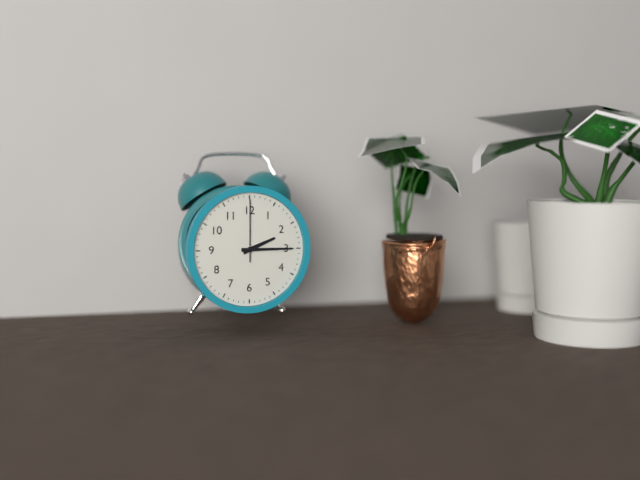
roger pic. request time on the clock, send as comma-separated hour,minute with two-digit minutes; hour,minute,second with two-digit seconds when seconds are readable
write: 2,15,00
